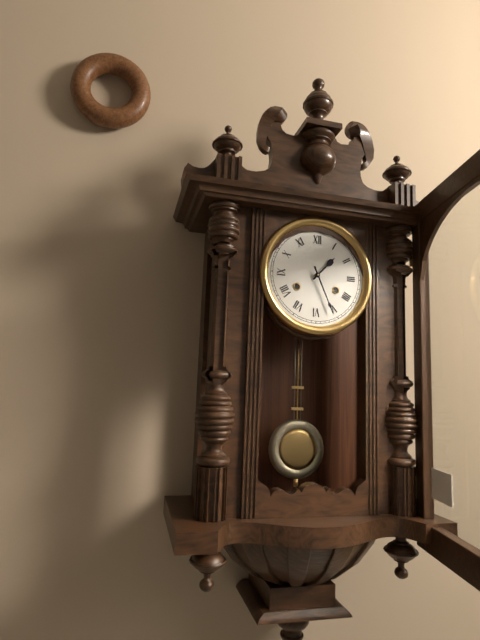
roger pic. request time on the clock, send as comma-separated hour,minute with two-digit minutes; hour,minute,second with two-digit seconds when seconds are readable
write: 1,26
